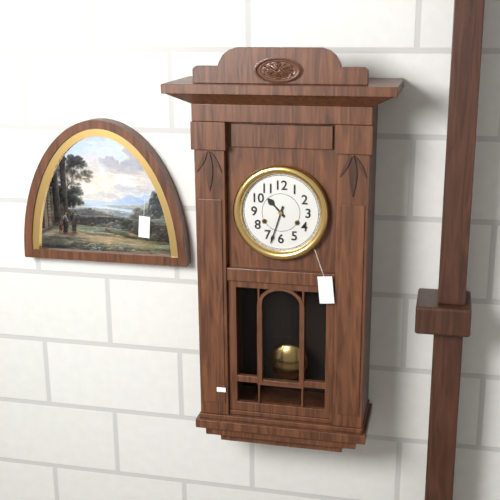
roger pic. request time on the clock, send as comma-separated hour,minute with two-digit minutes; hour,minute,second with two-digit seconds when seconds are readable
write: 10,33
